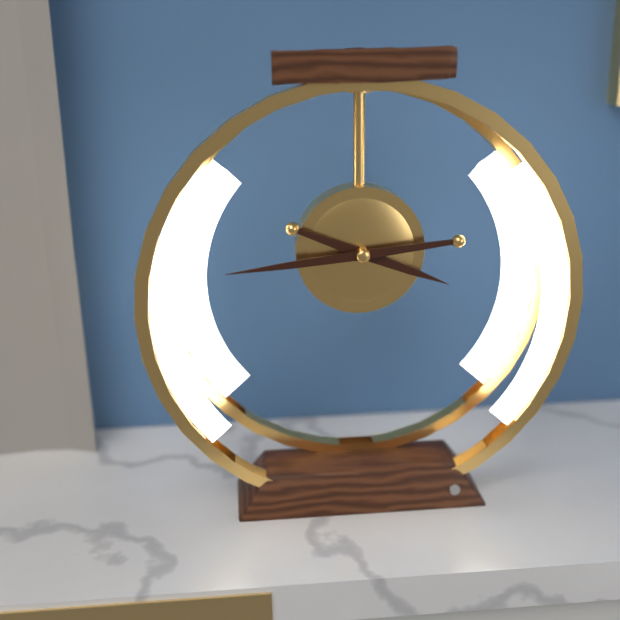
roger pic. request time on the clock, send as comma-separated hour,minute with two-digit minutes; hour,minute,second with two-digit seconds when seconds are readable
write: 3,44
